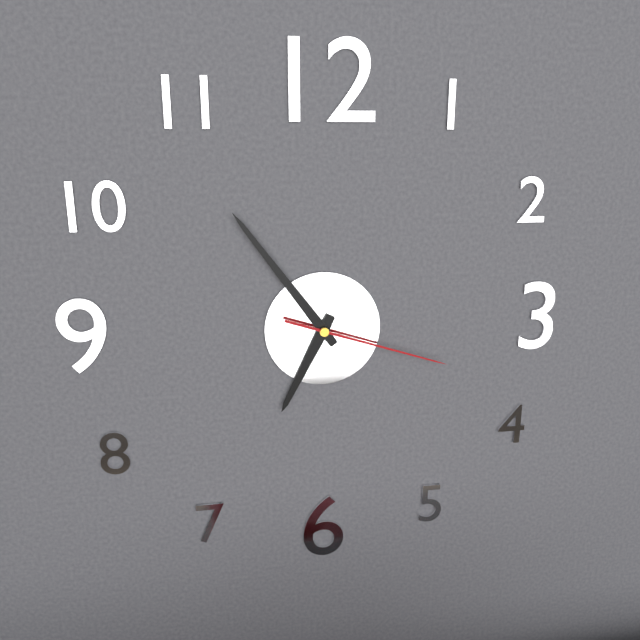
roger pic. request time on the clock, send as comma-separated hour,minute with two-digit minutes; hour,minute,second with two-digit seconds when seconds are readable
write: 6,54,18
